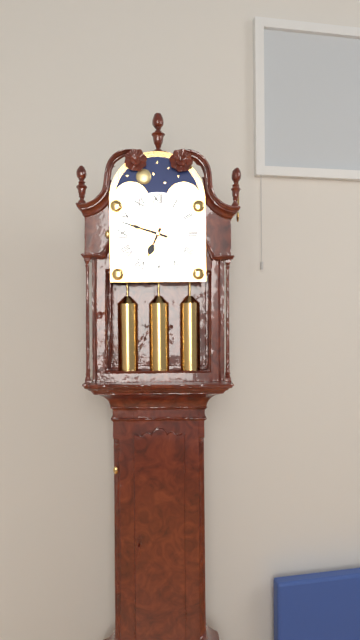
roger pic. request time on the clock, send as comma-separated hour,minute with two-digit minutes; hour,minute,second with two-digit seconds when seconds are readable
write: 6,48
